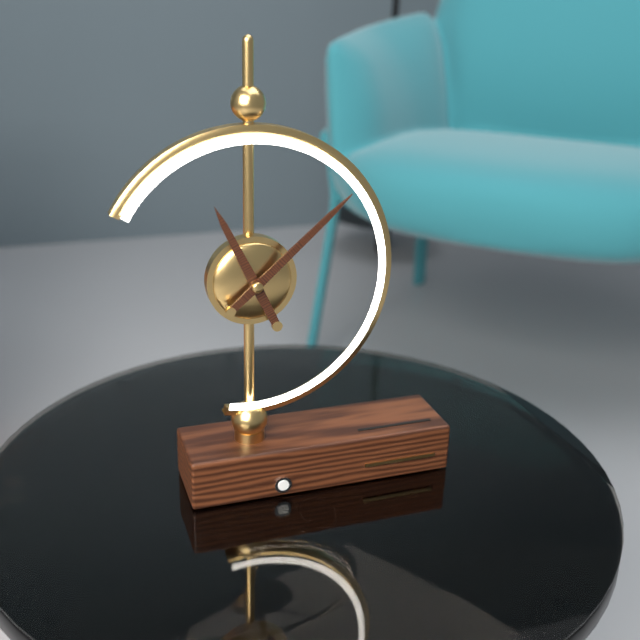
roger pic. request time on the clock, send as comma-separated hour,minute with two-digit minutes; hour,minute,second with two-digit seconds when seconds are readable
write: 11,08
